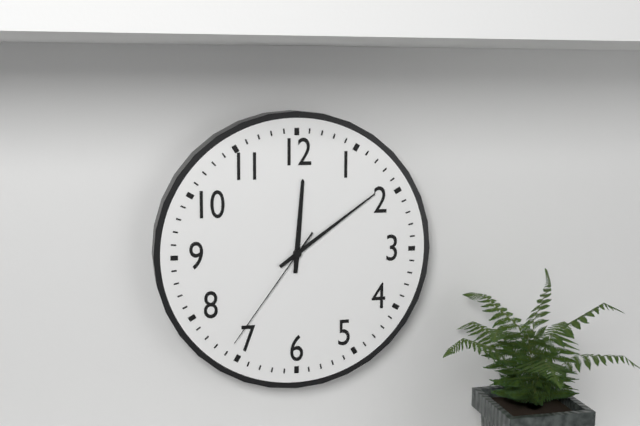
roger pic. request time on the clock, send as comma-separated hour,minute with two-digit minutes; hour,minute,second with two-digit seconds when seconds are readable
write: 12,09,36
